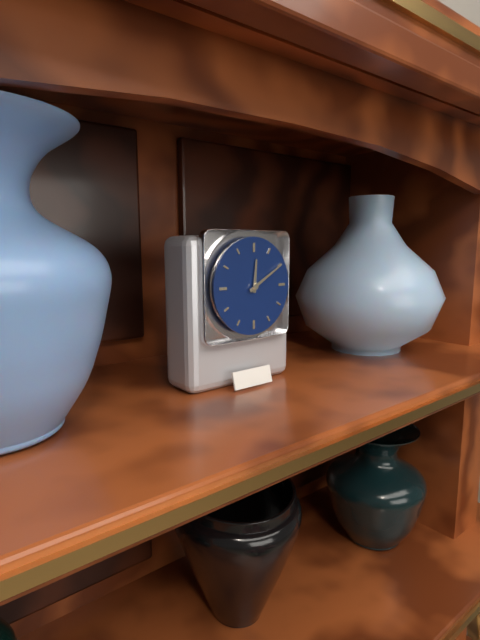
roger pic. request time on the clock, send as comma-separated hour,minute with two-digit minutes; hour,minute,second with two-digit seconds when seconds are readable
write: 12,10
